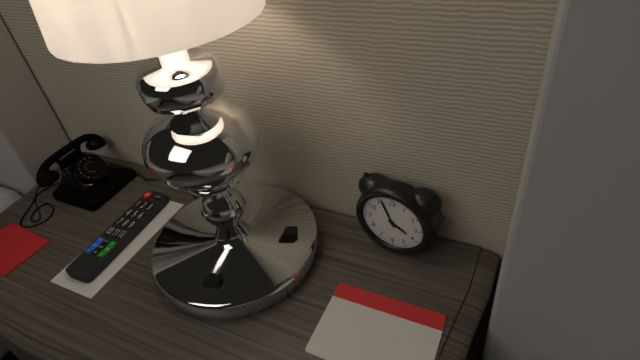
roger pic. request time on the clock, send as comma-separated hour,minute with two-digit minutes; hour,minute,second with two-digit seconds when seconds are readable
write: 3,56
